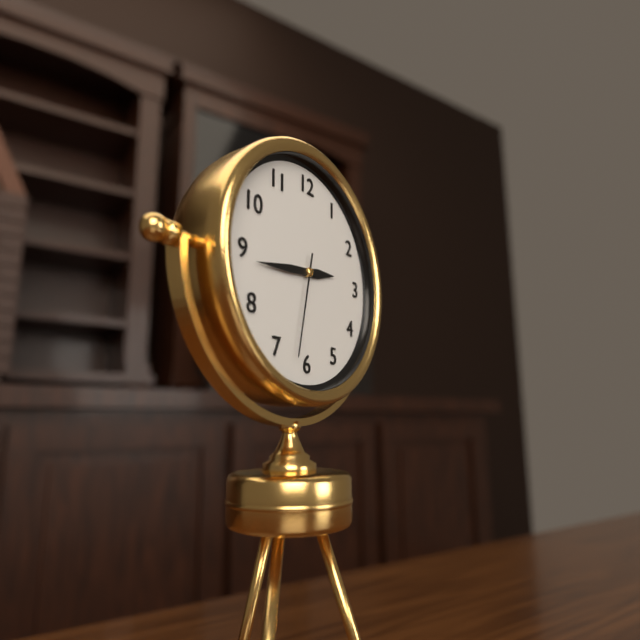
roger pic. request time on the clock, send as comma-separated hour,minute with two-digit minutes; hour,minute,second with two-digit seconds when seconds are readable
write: 2,44,32
